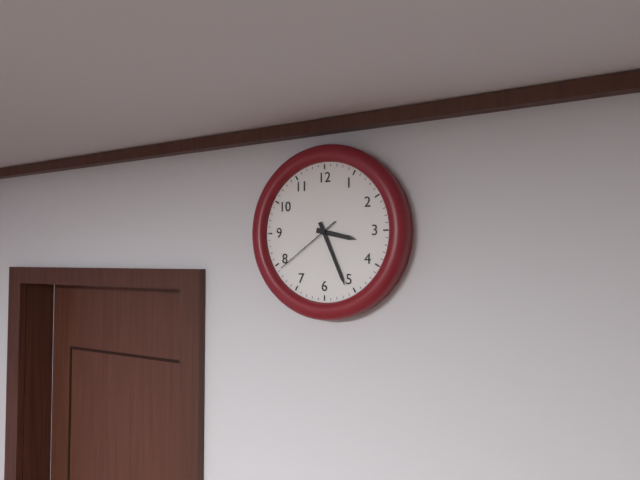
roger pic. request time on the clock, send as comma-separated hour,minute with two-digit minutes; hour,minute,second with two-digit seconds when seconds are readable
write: 3,26,39
